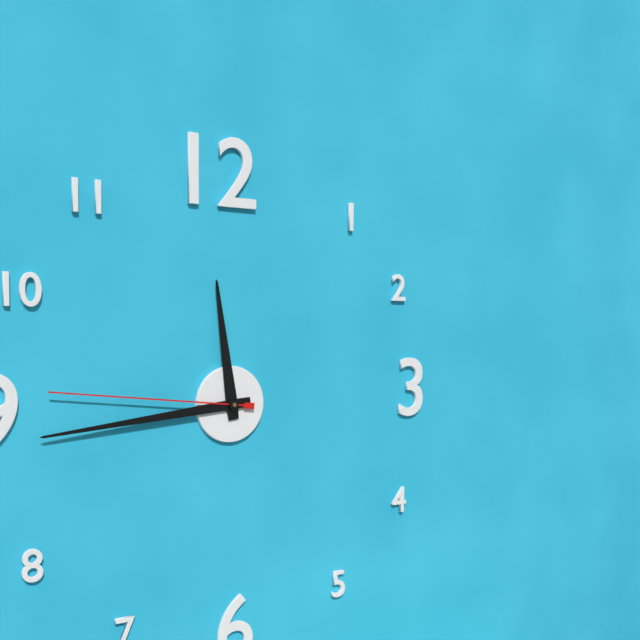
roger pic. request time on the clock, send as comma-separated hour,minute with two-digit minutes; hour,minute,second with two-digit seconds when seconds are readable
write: 11,44,46
